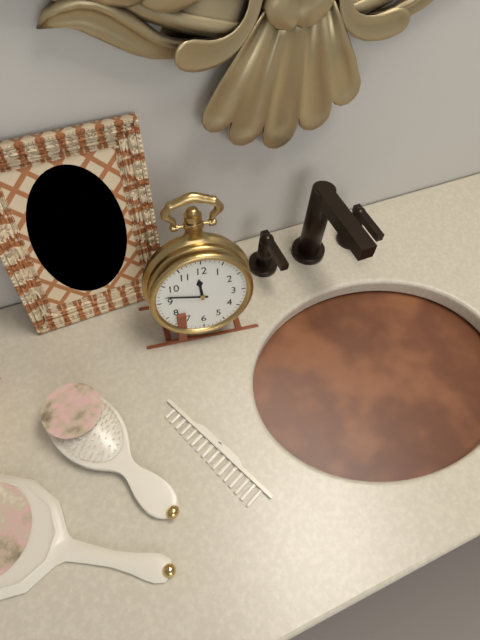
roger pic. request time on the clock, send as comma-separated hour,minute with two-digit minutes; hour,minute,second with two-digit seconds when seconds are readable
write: 11,47
